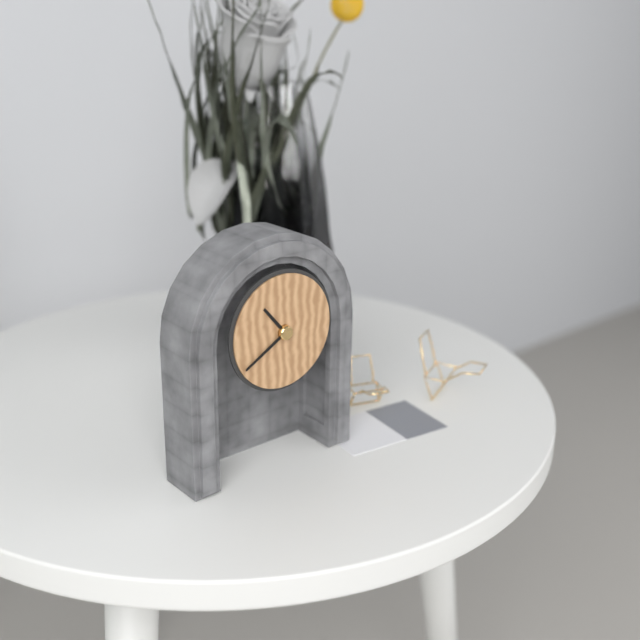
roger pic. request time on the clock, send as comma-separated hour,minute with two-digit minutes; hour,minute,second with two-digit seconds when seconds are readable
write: 10,40
